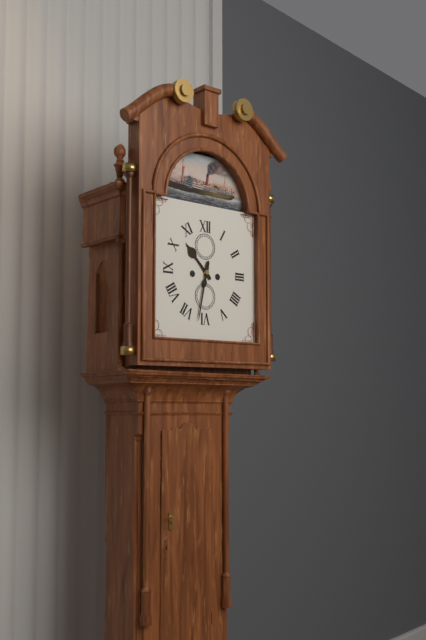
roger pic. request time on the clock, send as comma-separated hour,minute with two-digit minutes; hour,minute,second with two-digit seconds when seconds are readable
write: 10,32
